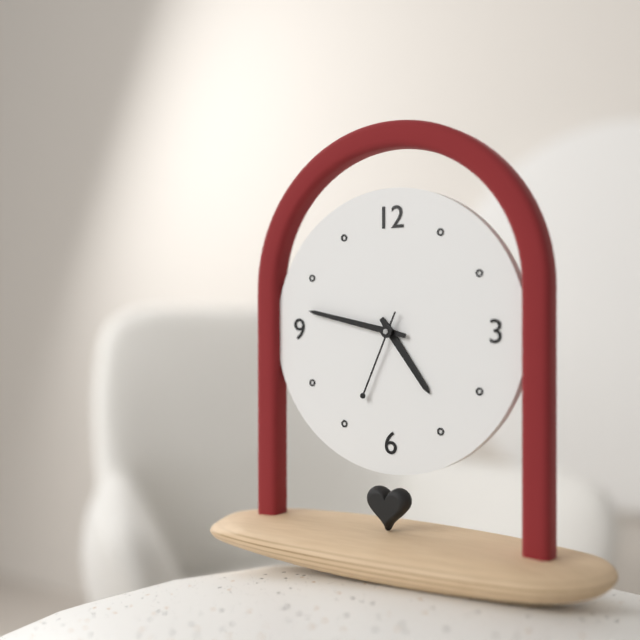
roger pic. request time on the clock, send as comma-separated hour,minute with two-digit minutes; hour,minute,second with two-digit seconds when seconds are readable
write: 4,47,34
